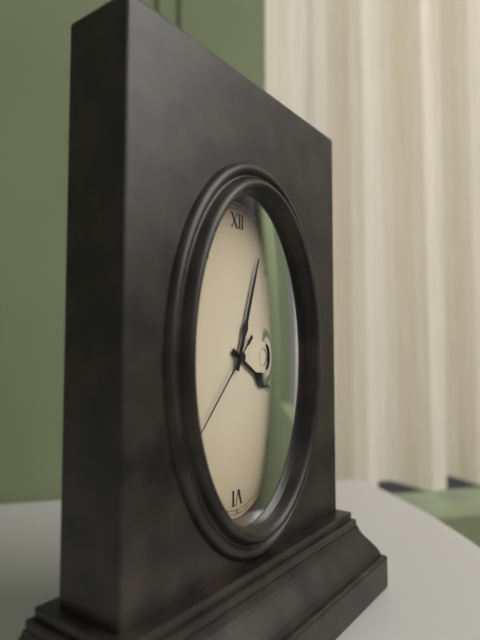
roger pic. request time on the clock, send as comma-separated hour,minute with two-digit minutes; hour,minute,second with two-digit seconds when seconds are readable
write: 4,03,37
